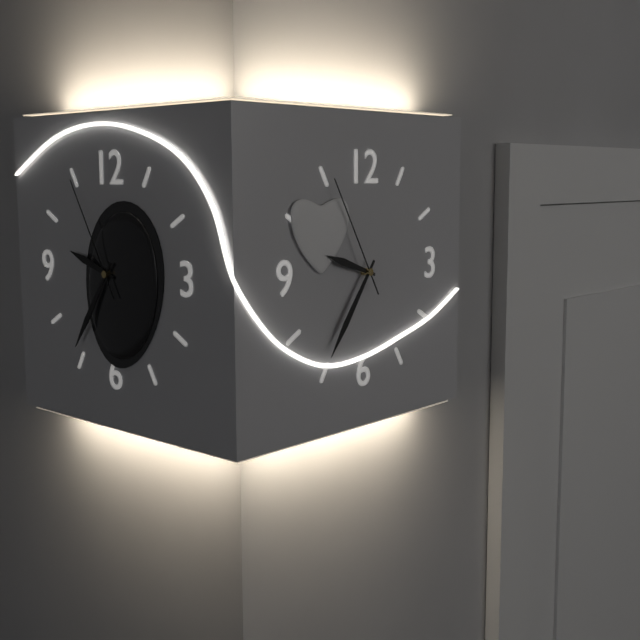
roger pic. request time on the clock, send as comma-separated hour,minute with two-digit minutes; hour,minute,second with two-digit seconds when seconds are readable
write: 9,36,55
